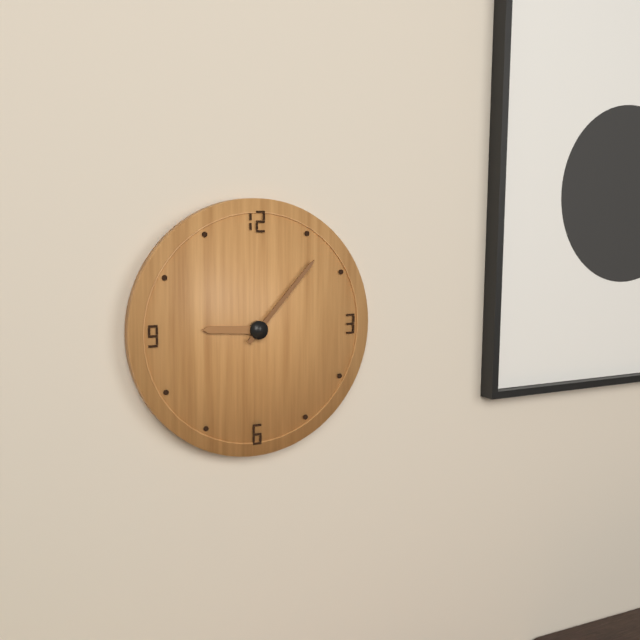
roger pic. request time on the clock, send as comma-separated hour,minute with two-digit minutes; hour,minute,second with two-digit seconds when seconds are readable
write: 9,07
